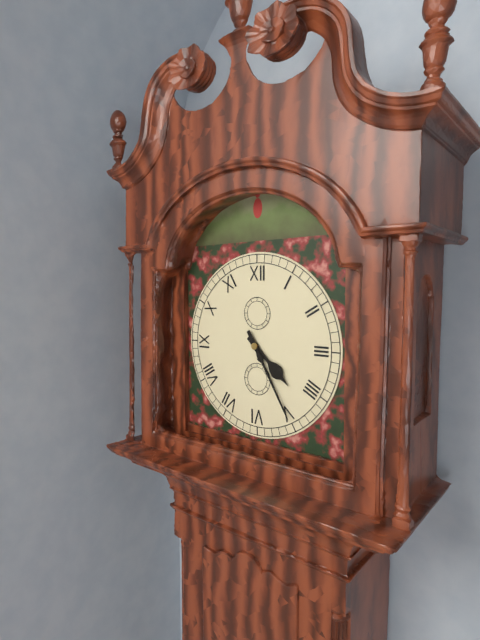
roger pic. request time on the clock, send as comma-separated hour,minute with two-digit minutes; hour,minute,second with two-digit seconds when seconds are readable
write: 4,25
